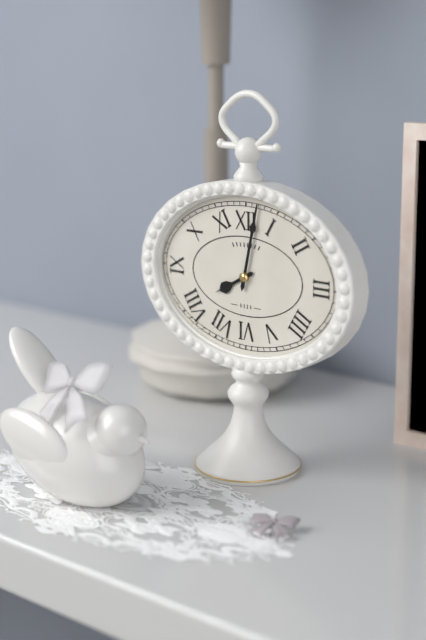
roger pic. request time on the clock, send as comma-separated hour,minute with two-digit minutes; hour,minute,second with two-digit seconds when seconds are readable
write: 8,02
